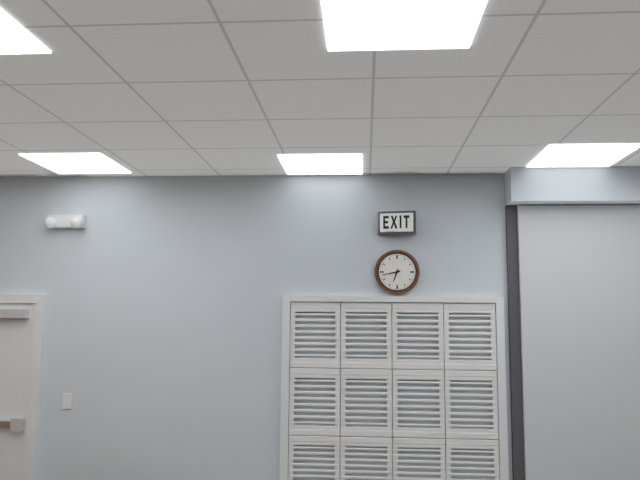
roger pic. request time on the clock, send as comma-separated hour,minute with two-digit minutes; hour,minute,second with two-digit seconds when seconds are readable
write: 6,43
